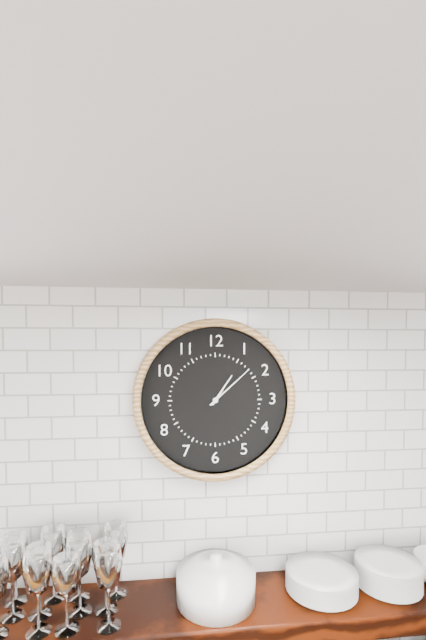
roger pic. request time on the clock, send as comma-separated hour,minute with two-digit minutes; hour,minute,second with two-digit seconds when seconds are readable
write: 1,08
